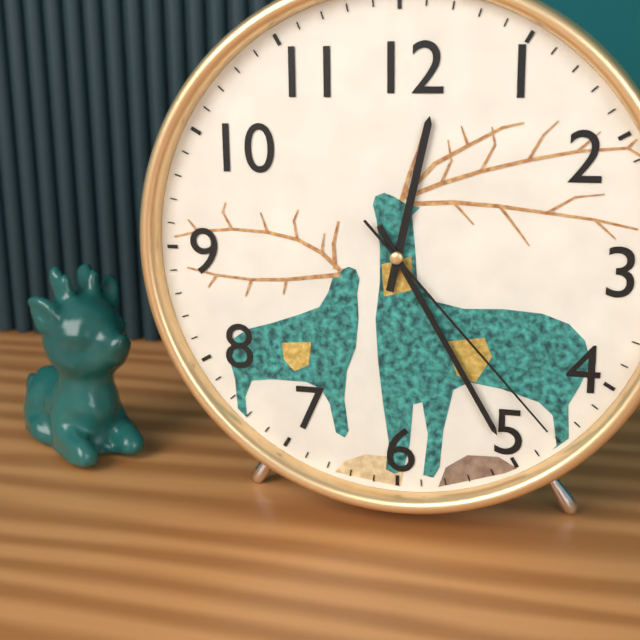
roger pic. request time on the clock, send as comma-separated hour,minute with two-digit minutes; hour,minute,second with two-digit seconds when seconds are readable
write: 12,25,23
